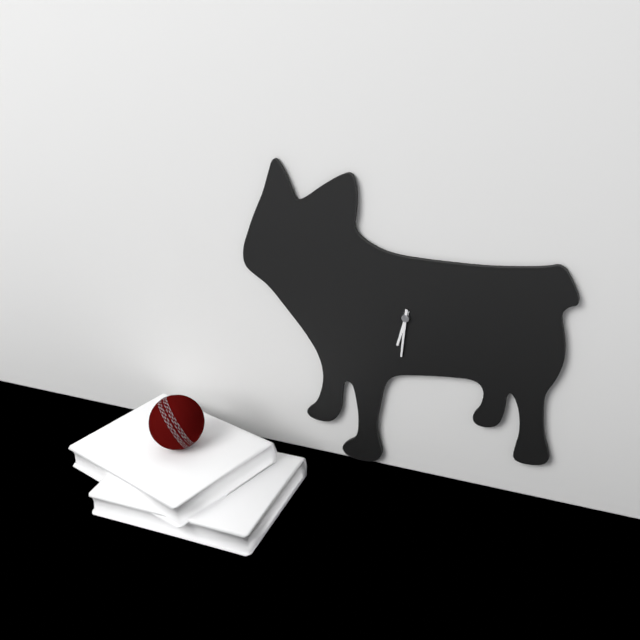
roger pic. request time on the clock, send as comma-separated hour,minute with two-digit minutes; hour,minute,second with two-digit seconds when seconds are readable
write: 6,31
